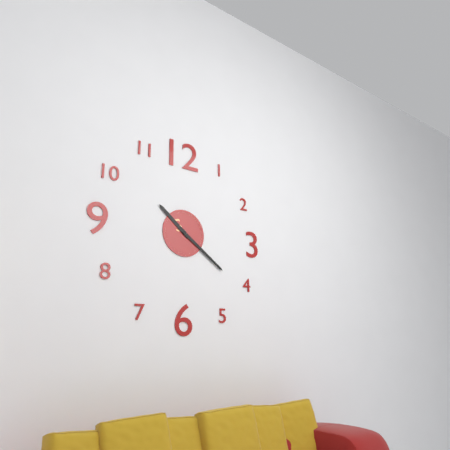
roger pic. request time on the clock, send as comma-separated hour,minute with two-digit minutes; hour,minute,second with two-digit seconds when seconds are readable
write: 10,21
